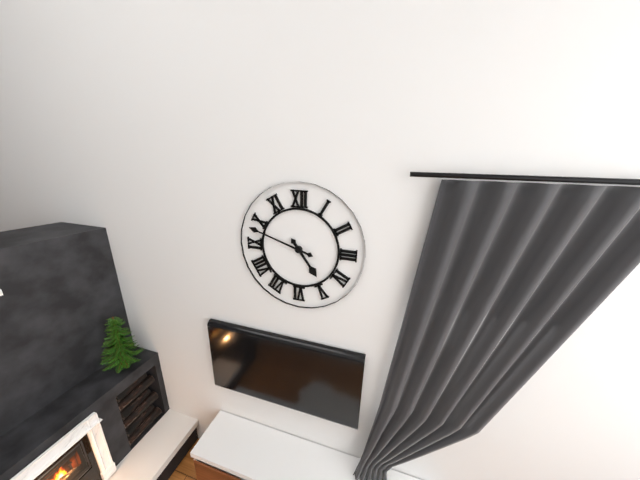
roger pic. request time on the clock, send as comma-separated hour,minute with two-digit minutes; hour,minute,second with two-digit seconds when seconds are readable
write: 4,48
